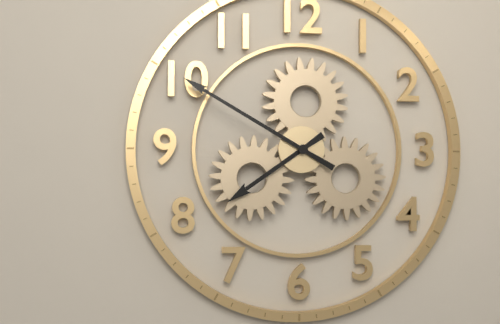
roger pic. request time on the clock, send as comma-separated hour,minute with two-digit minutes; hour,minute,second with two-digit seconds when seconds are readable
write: 7,50
